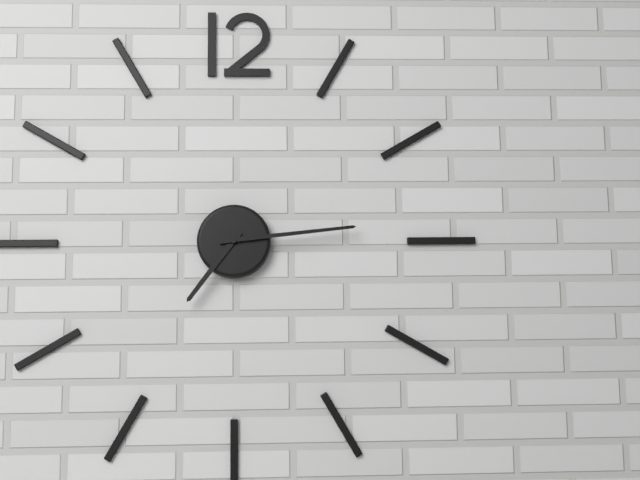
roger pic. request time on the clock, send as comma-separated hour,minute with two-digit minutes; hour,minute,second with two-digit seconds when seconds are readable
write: 7,14
